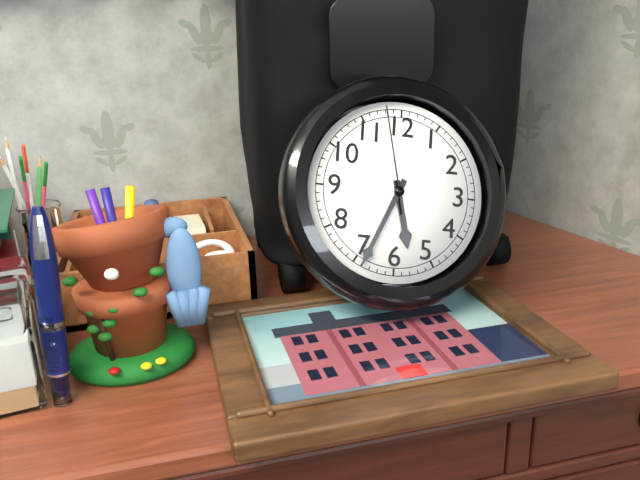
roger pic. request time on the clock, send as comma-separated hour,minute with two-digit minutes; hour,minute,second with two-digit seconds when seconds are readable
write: 5,34,58
